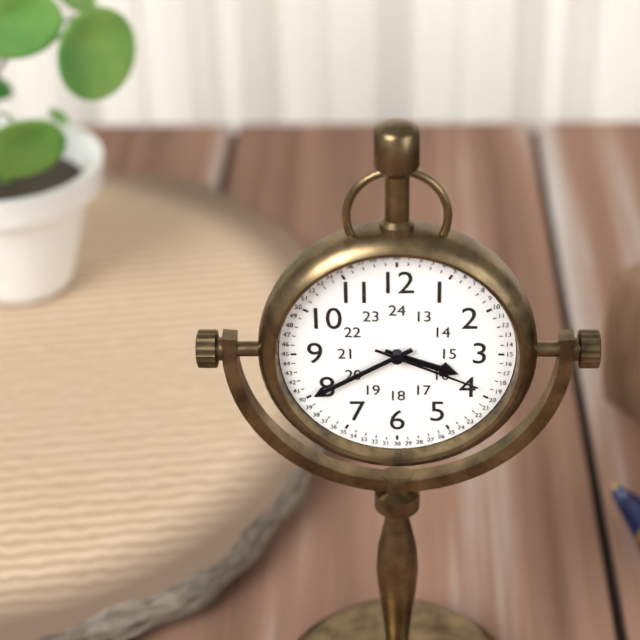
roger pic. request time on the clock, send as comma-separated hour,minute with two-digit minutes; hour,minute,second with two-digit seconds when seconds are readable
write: 3,40,19
